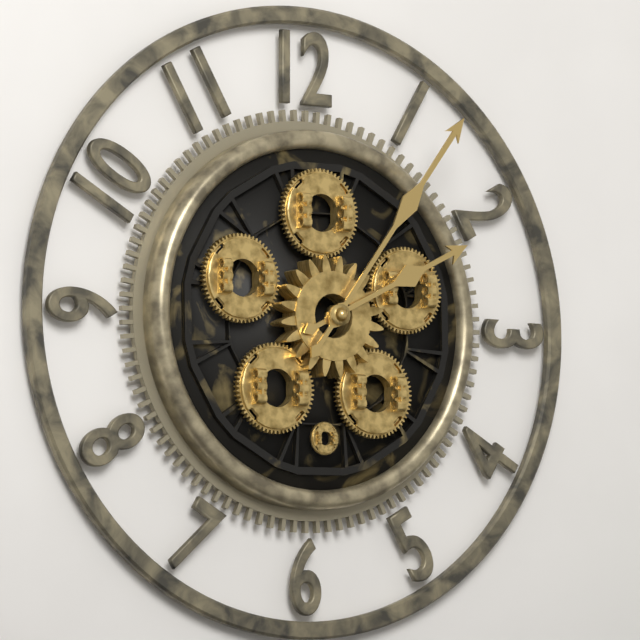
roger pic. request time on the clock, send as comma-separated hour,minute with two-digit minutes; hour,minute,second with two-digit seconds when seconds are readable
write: 2,06
